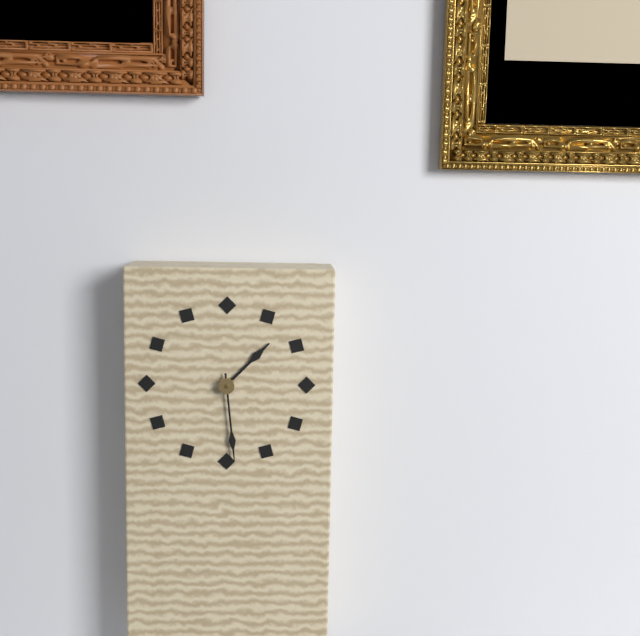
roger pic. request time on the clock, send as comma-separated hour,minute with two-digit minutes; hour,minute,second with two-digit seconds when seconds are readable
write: 1,29
